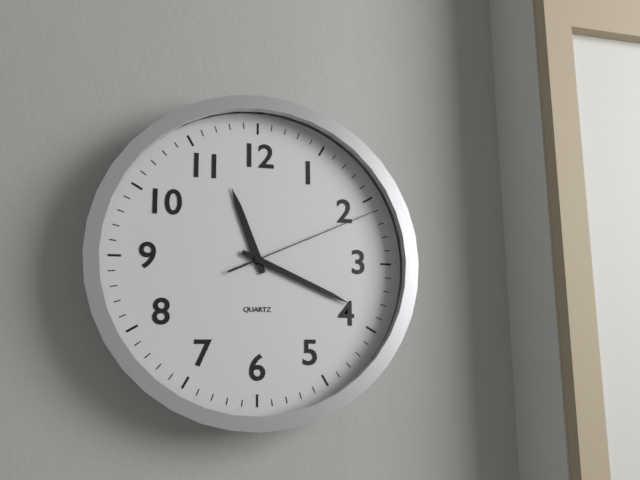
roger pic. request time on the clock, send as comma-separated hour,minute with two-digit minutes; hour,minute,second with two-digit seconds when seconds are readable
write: 11,19,11
